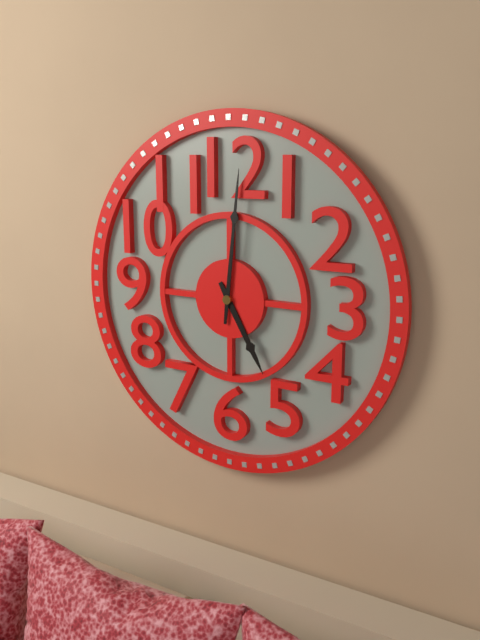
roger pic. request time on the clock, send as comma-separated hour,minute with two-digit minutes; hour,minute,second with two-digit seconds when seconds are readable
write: 5,01
